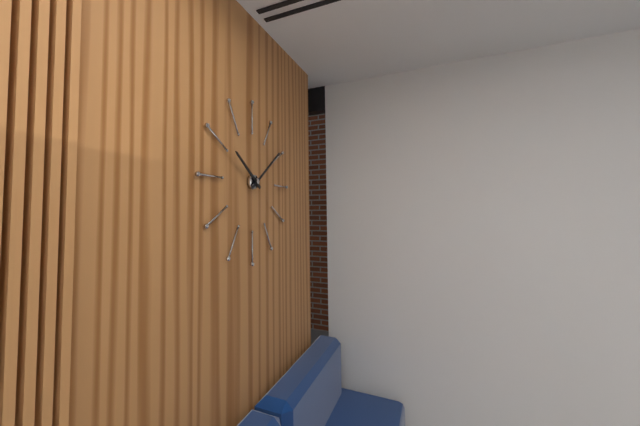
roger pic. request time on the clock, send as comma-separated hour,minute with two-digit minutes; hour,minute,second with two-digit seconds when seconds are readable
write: 10,09
